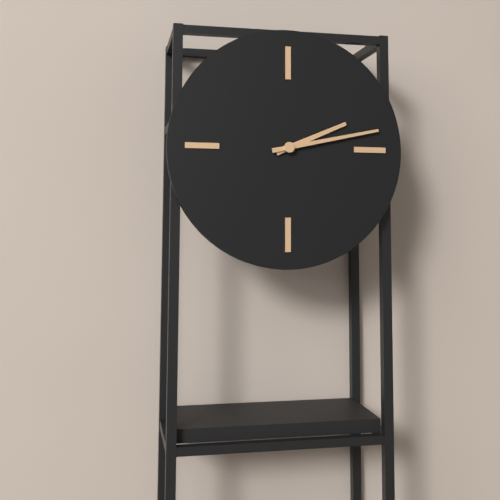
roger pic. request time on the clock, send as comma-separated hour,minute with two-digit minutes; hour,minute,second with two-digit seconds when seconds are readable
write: 2,13
